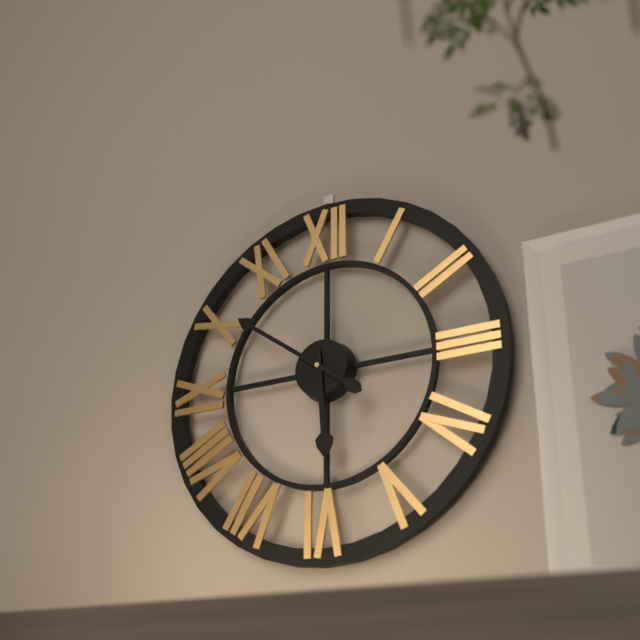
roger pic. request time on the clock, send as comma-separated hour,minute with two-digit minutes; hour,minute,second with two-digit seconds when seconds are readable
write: 5,51
